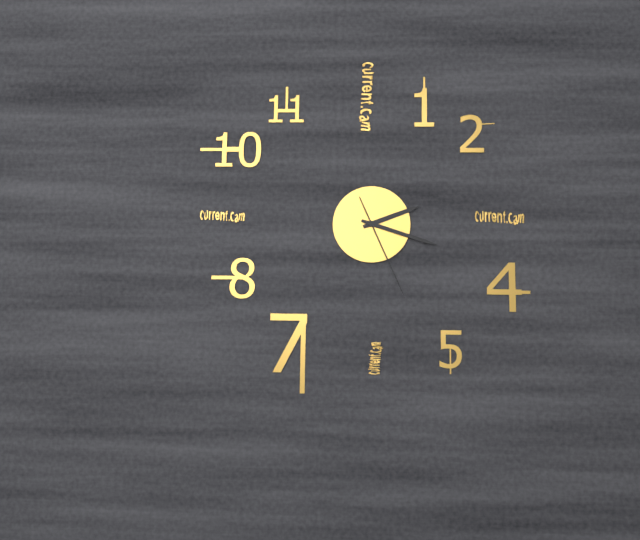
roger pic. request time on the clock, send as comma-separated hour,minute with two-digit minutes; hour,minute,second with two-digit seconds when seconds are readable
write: 2,18,26
